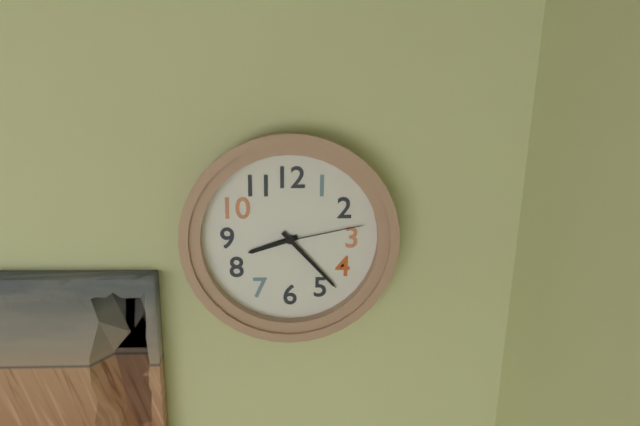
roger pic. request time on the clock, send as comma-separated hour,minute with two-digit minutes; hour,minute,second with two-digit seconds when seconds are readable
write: 8,23,13
